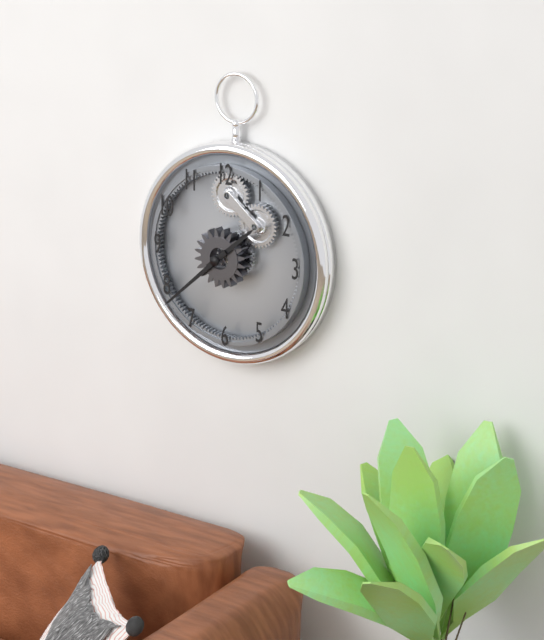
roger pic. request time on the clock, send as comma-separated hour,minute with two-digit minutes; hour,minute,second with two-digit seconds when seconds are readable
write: 1,38
